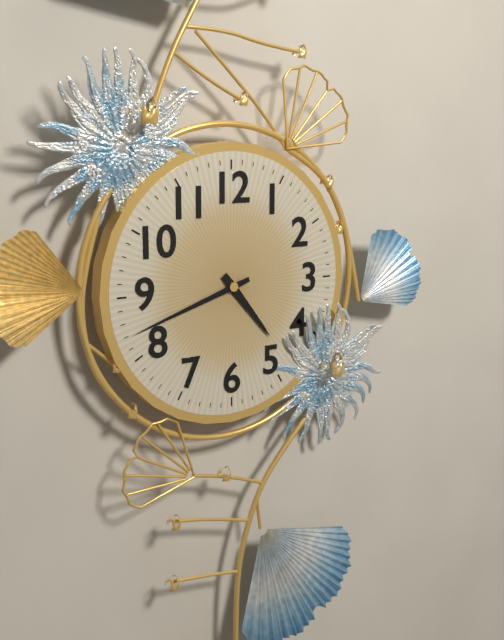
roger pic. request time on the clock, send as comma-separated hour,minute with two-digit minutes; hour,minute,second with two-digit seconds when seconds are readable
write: 4,42
